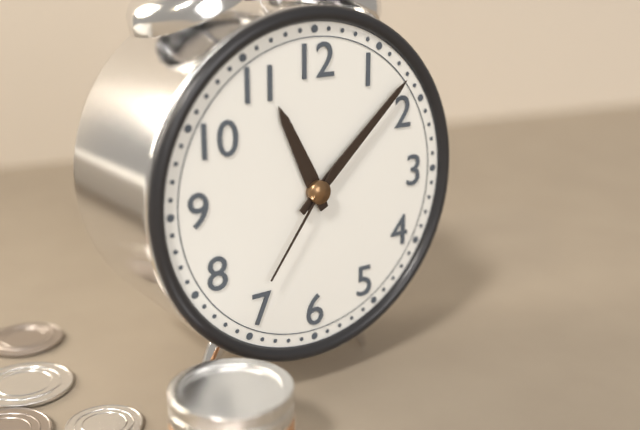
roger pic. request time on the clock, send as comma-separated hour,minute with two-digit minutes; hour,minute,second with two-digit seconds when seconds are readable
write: 11,08,36
